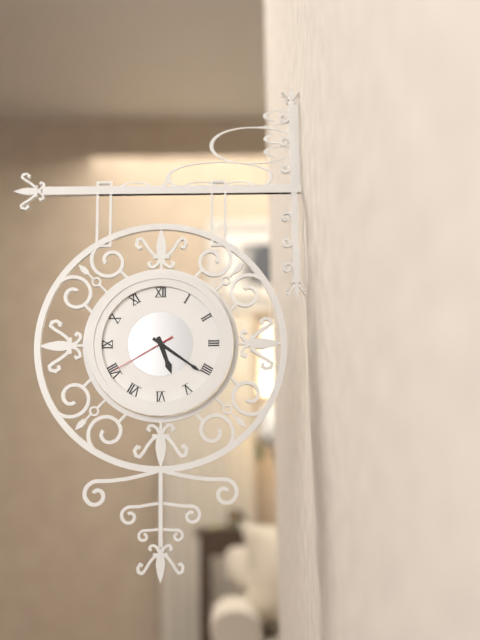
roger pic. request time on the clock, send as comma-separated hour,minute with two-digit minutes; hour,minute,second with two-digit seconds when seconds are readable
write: 5,21,40
